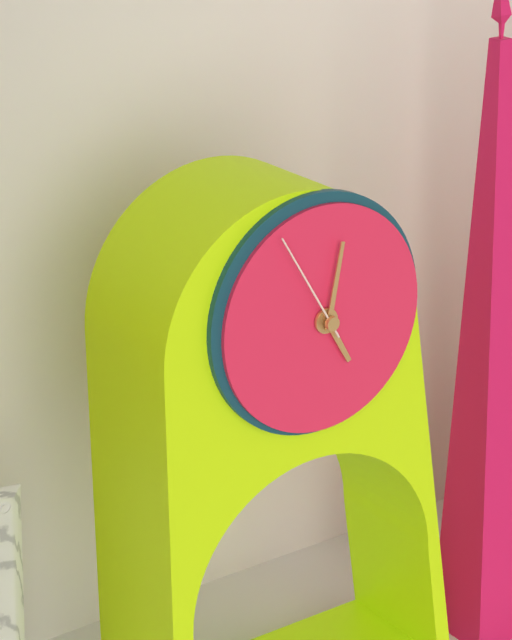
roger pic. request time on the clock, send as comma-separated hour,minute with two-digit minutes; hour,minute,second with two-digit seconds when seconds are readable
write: 5,02,55
